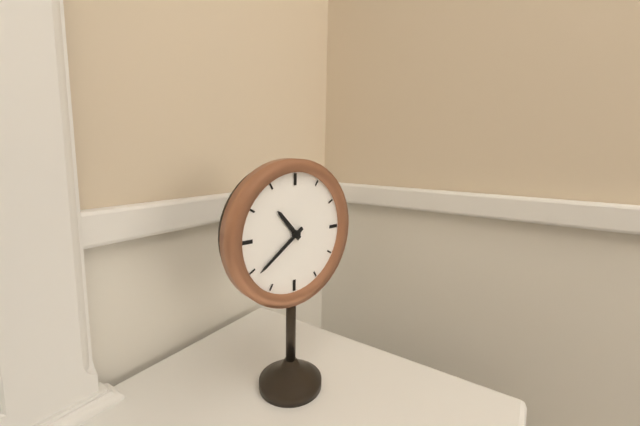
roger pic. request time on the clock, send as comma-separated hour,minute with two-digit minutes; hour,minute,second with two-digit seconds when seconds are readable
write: 10,39
